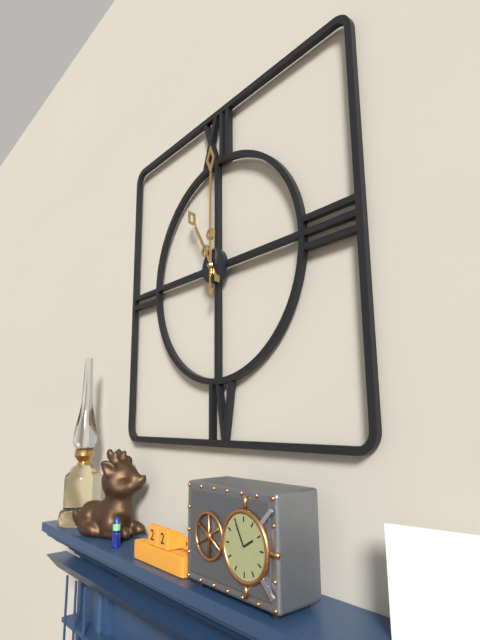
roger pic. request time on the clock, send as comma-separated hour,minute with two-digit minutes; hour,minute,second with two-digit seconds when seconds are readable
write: 11,00
